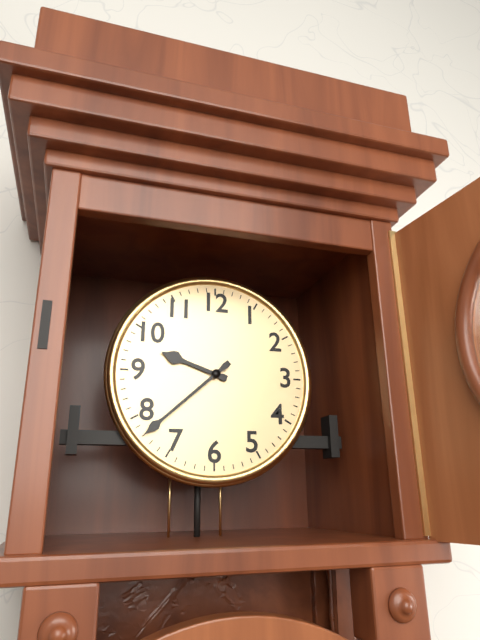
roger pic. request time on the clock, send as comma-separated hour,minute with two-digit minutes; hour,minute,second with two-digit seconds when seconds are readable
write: 9,38
